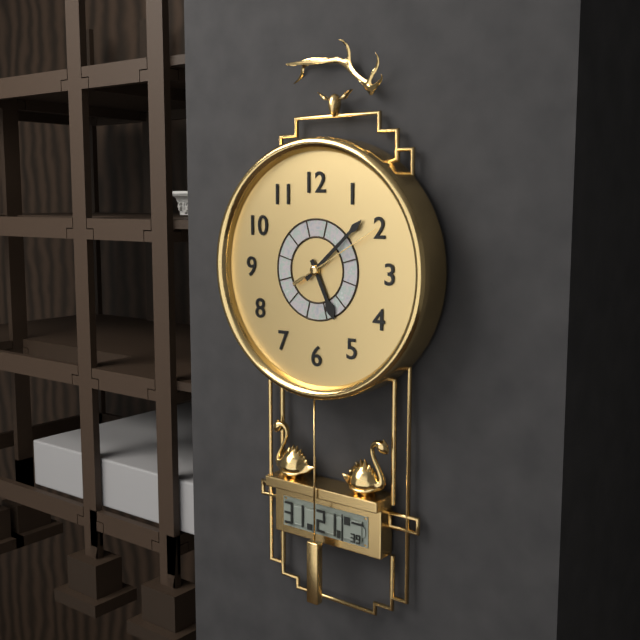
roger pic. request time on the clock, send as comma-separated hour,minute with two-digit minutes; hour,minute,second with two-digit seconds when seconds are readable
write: 5,08,10
